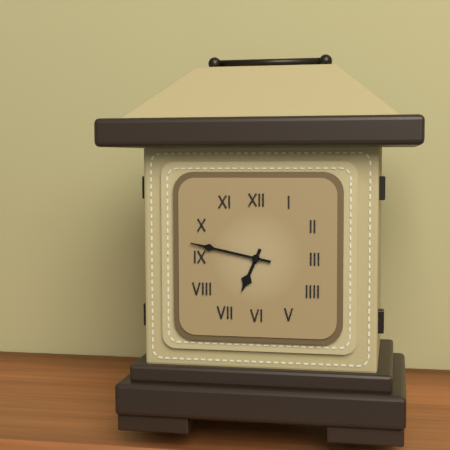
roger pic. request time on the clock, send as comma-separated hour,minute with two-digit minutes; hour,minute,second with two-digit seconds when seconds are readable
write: 6,47
